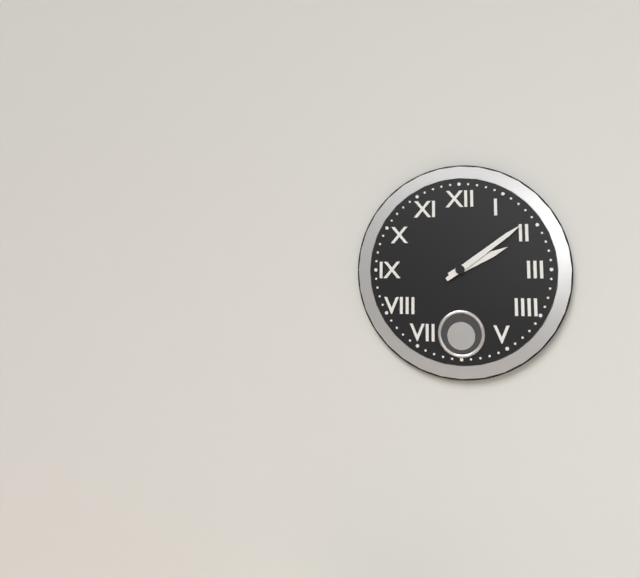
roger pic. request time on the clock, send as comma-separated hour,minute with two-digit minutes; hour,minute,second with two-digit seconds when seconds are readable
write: 2,09
